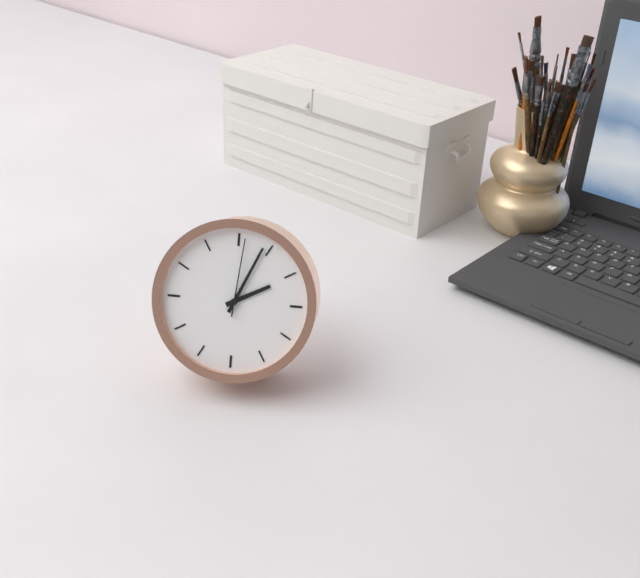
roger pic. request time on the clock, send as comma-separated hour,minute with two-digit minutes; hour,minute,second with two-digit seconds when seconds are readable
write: 2,04,01
